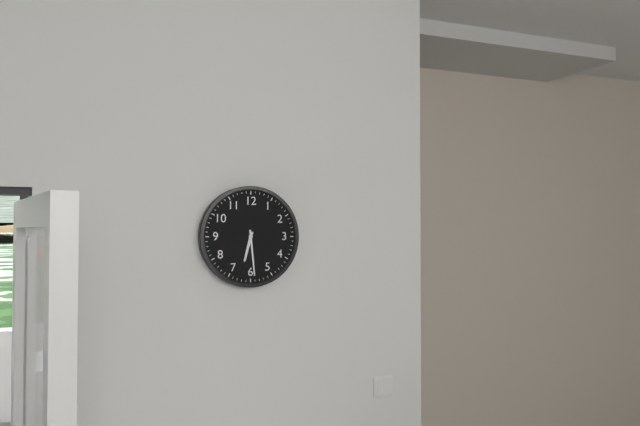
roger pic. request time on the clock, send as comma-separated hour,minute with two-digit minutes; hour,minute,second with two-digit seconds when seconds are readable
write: 6,29
